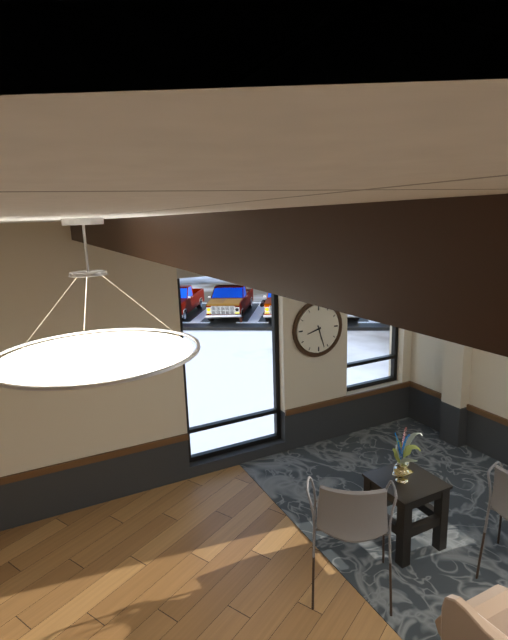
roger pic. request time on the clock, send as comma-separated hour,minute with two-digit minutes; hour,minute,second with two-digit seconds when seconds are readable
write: 8,27
